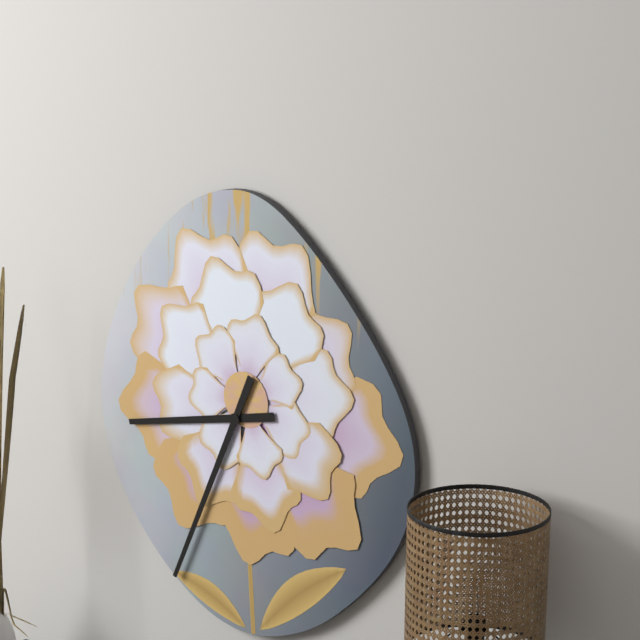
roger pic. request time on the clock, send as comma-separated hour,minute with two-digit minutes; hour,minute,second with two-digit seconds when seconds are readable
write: 8,34
